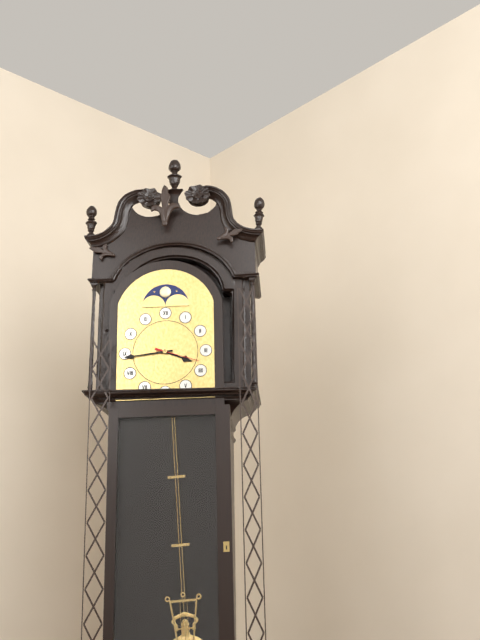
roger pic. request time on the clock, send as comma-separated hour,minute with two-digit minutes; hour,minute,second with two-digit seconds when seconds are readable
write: 3,44
